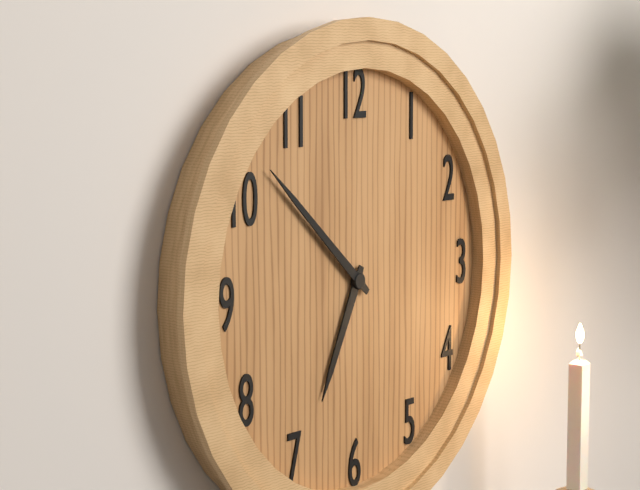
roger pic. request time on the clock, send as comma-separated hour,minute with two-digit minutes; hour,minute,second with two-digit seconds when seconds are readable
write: 6,52
